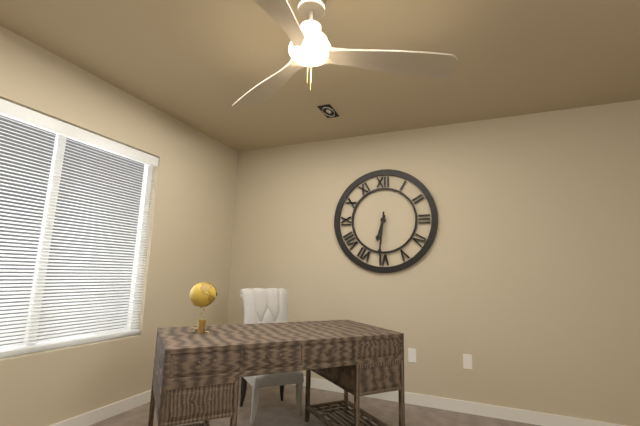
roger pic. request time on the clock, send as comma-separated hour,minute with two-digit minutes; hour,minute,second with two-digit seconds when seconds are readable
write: 6,31
